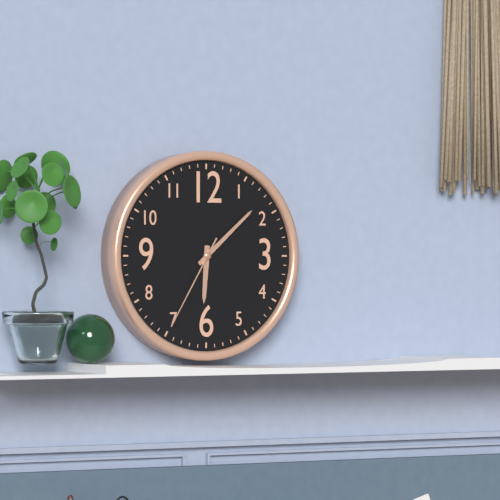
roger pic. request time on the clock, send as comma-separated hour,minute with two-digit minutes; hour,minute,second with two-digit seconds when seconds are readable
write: 6,08,35
